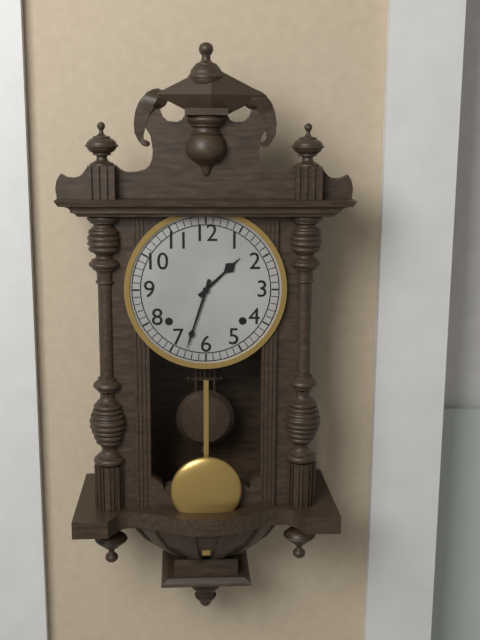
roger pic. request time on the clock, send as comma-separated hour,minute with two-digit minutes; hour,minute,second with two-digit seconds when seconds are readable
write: 1,33
